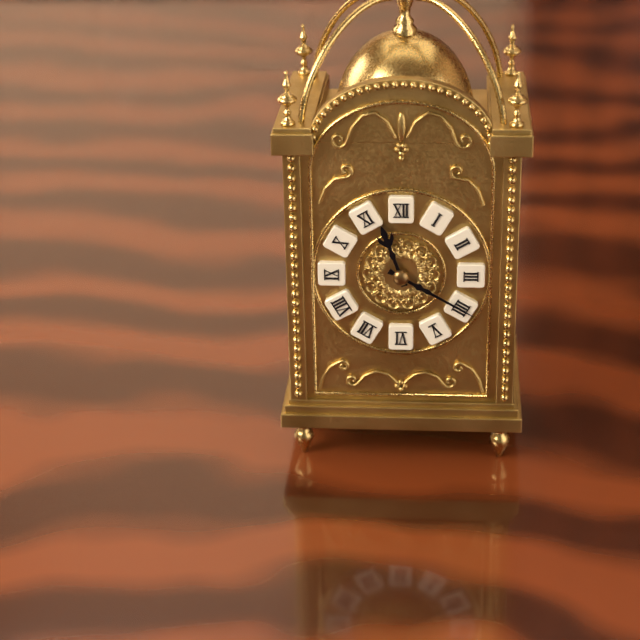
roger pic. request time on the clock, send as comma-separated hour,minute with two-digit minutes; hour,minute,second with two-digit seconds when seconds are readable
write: 11,20
